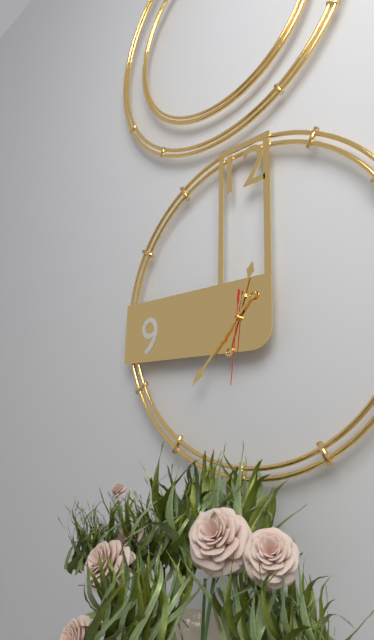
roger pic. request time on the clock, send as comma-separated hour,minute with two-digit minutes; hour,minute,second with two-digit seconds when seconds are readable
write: 12,37,31
